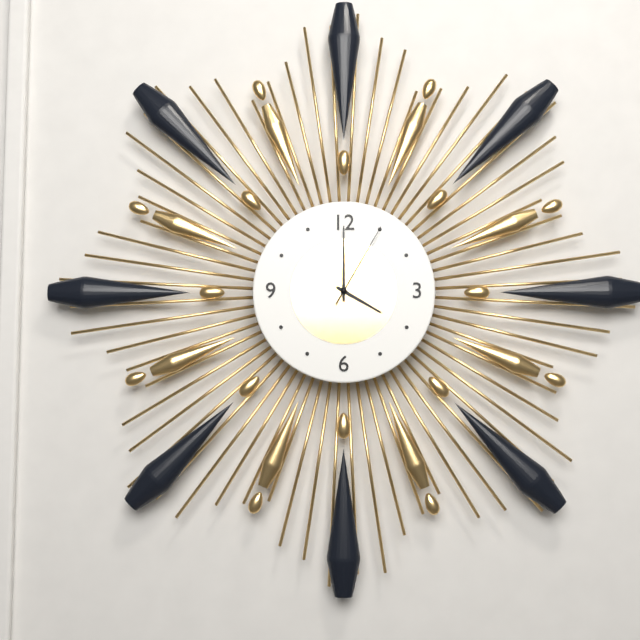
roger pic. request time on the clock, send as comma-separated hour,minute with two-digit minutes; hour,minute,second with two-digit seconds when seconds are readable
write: 4,00,05
